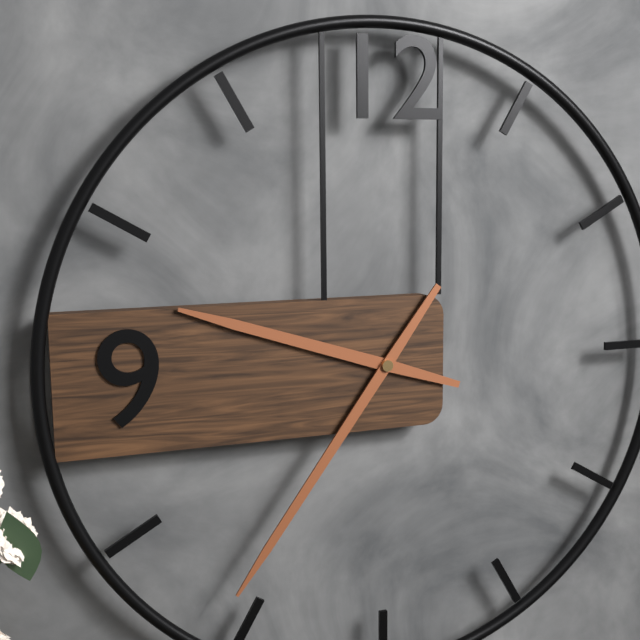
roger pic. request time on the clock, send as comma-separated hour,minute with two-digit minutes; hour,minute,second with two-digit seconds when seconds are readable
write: 9,36
